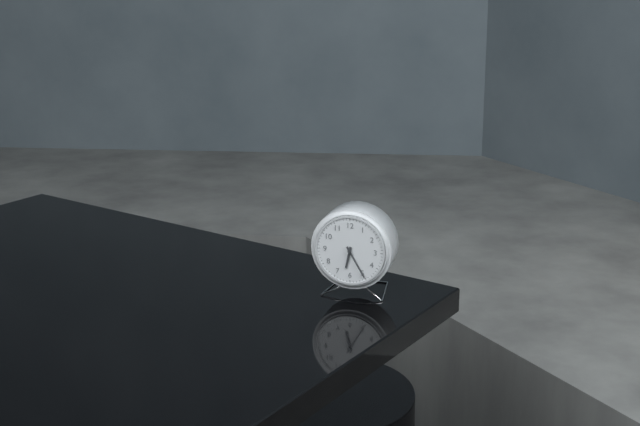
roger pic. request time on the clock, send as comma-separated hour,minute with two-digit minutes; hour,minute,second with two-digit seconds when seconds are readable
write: 6,25
